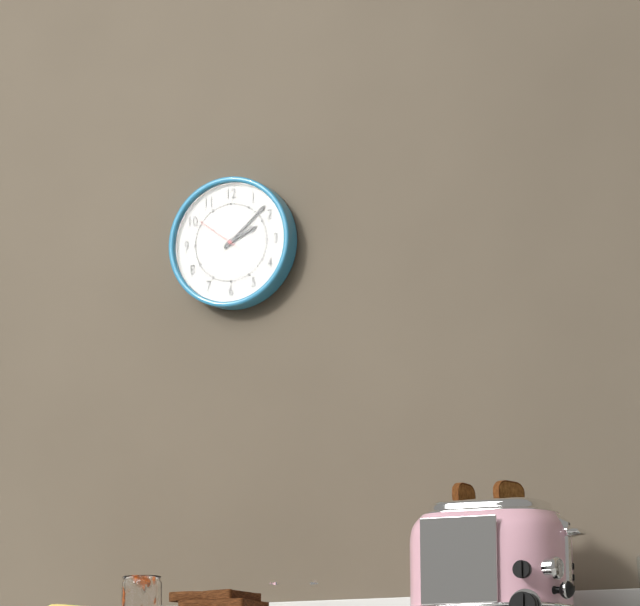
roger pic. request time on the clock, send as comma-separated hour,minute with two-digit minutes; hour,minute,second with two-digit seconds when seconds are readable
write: 2,08
